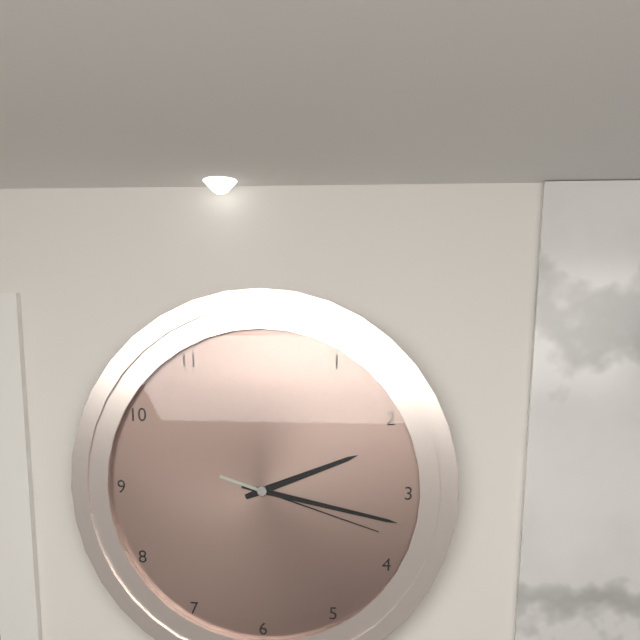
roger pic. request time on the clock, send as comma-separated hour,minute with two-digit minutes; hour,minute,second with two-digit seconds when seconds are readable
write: 2,17,18
